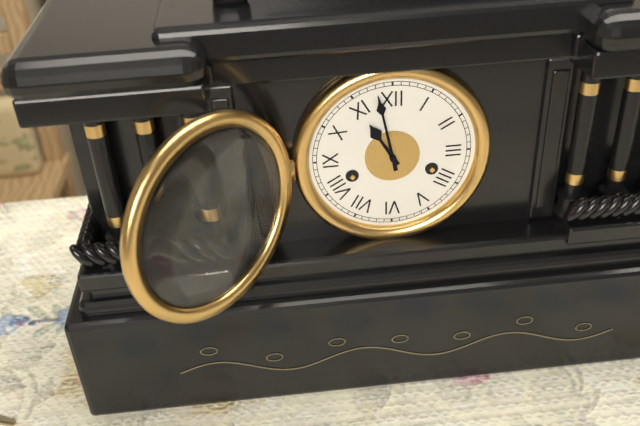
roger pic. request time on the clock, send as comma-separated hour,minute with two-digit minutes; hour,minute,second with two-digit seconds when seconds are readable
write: 10,58
